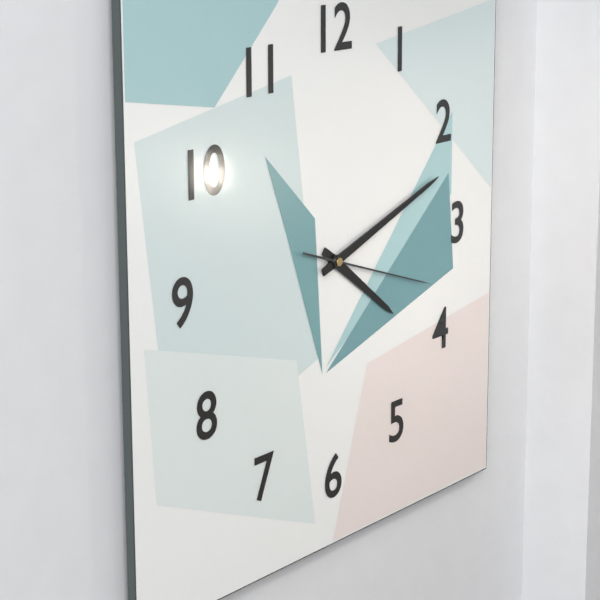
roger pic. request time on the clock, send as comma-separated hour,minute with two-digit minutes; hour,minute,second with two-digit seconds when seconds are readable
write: 4,12,18
